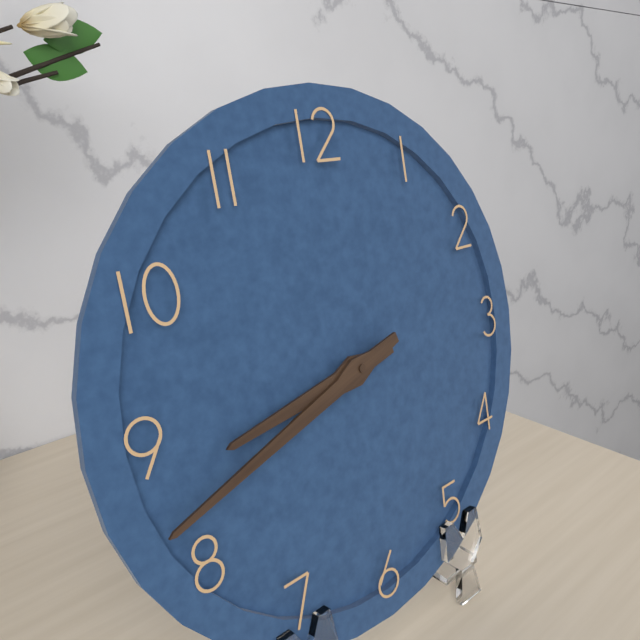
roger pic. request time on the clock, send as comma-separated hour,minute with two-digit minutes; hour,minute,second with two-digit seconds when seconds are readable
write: 8,42
